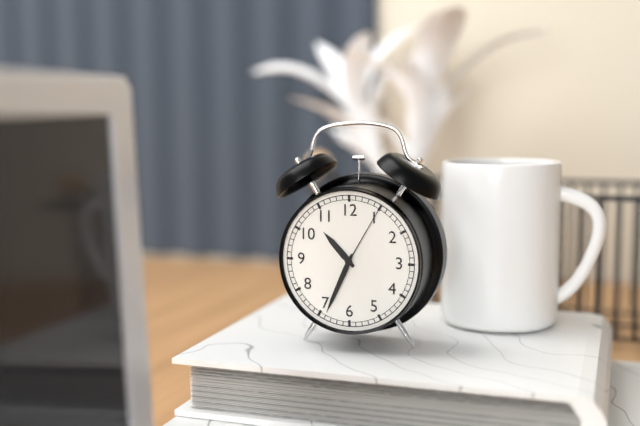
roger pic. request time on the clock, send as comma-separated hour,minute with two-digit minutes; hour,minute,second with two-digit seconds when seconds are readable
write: 10,34,05
